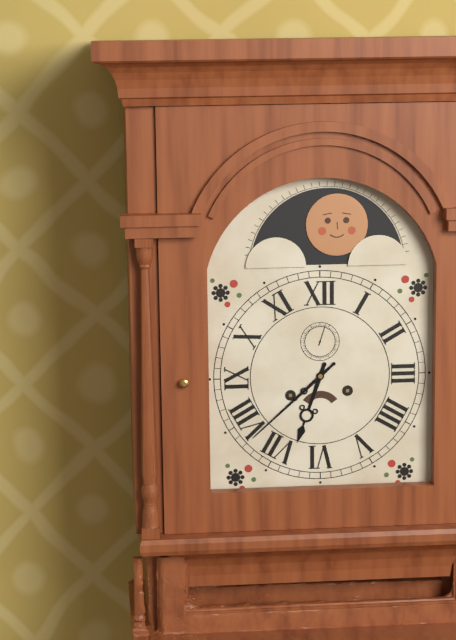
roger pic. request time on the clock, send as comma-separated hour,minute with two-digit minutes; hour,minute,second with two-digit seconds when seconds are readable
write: 6,38
